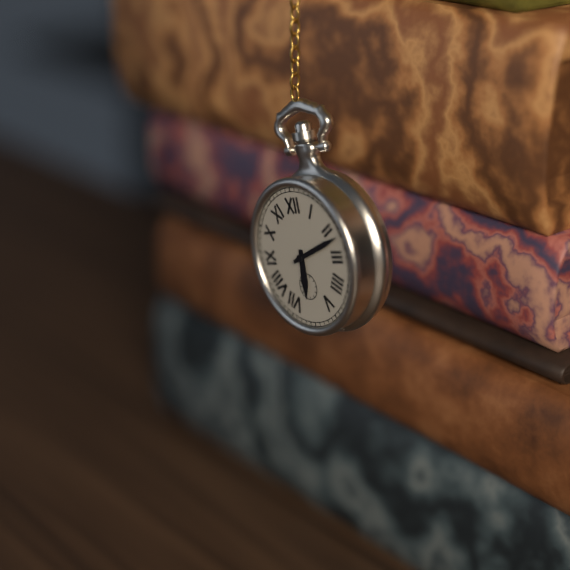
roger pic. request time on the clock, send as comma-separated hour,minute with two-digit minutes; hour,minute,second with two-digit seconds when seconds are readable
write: 6,12
